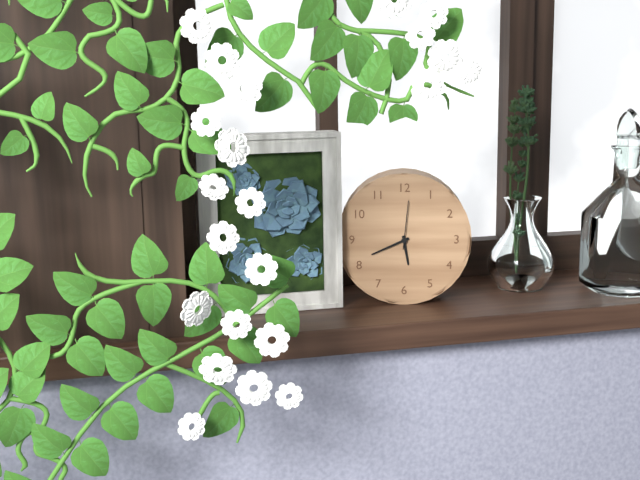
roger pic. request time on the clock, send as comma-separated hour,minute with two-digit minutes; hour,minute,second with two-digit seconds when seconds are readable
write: 5,41
